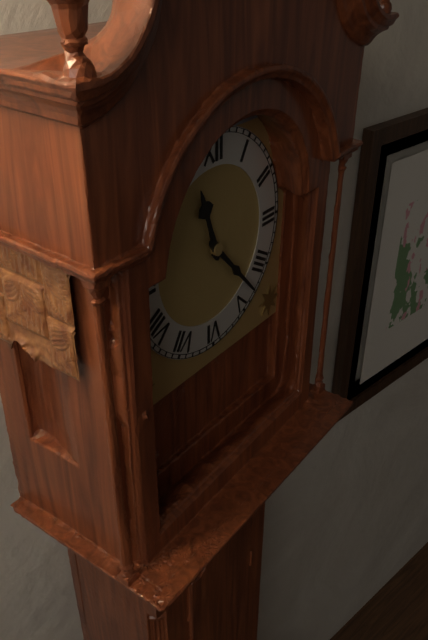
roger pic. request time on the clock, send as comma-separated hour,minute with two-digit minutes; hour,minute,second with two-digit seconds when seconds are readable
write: 11,23
